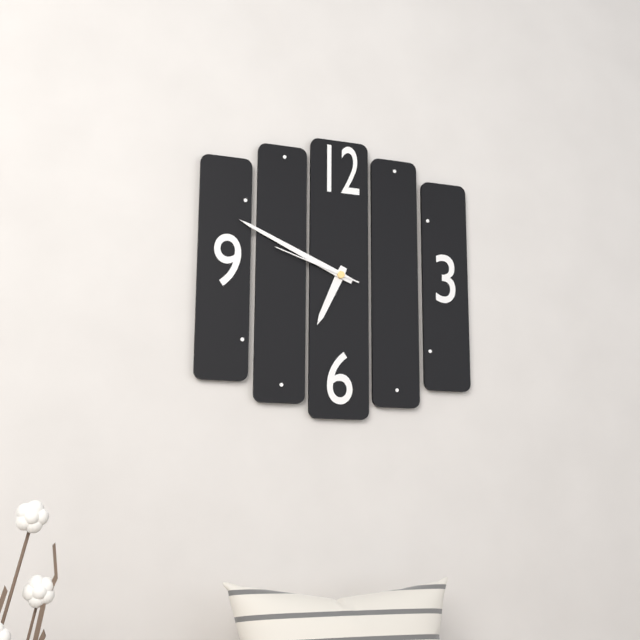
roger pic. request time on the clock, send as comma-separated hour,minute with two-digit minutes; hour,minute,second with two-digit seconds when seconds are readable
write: 6,49,48
